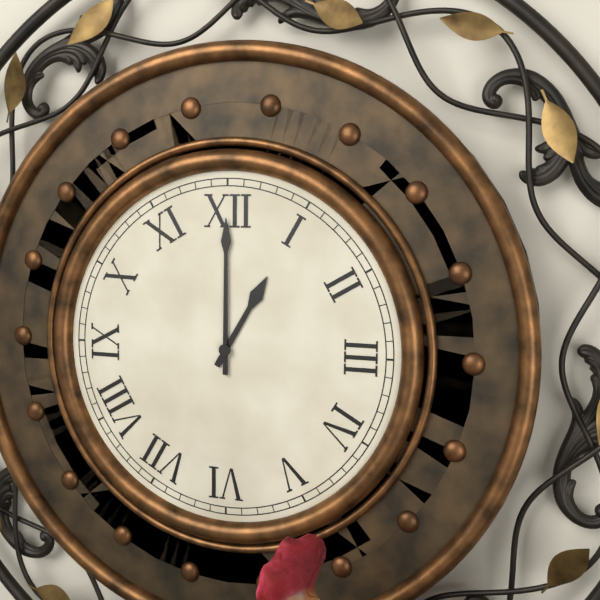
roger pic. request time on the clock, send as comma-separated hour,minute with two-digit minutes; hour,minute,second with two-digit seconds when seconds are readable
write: 1,00
